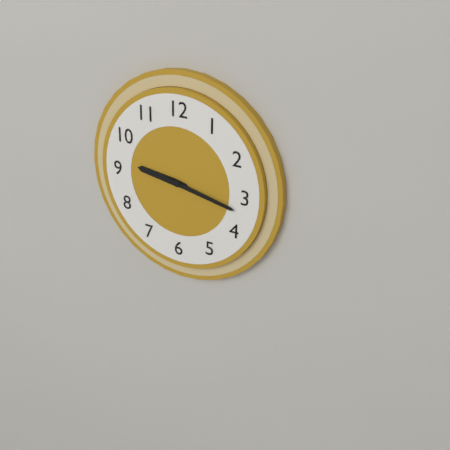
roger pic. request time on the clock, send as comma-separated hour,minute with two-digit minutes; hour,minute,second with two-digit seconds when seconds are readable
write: 9,17
